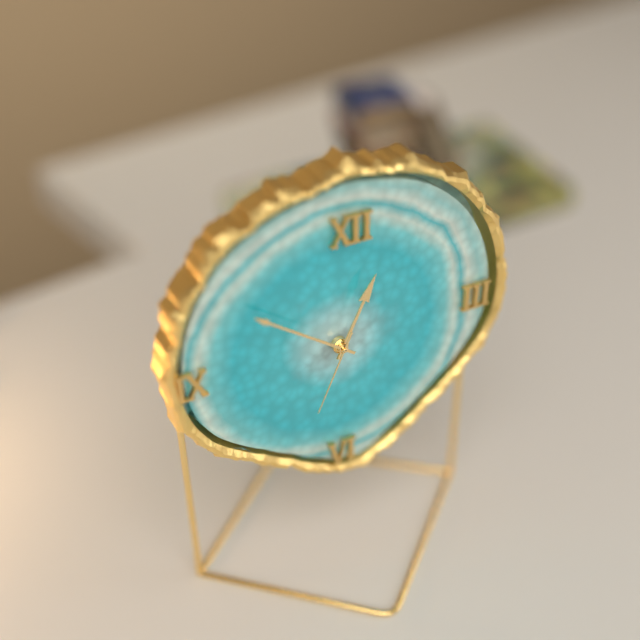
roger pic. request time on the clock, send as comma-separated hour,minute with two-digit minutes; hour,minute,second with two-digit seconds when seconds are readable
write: 12,51,34
